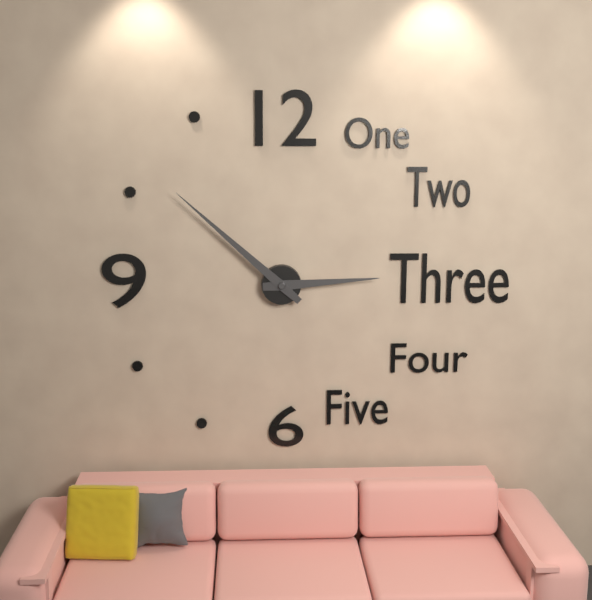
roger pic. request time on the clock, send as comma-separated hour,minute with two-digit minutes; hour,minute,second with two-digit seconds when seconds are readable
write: 2,52
